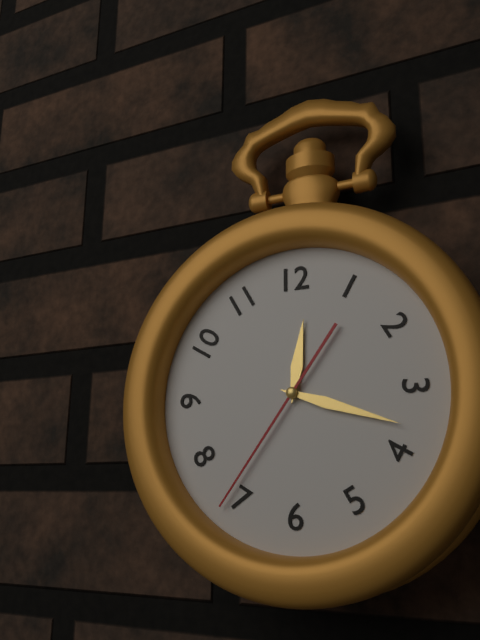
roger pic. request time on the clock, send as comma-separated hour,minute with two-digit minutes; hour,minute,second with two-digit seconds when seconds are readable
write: 12,18,36
